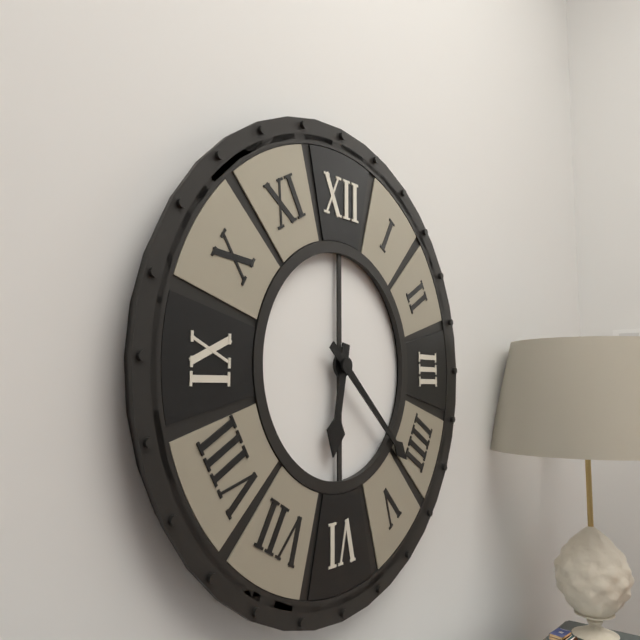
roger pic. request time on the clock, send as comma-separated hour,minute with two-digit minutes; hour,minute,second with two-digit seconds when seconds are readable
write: 6,22
